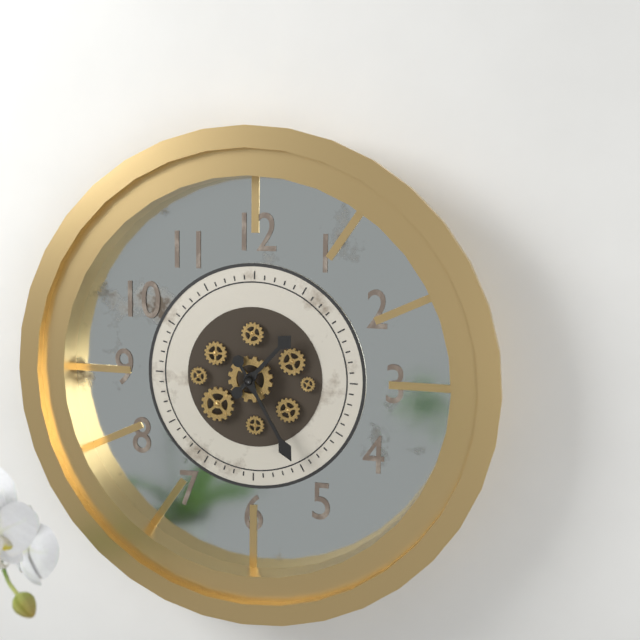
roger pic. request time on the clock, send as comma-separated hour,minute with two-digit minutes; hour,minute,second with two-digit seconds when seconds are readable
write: 1,25
